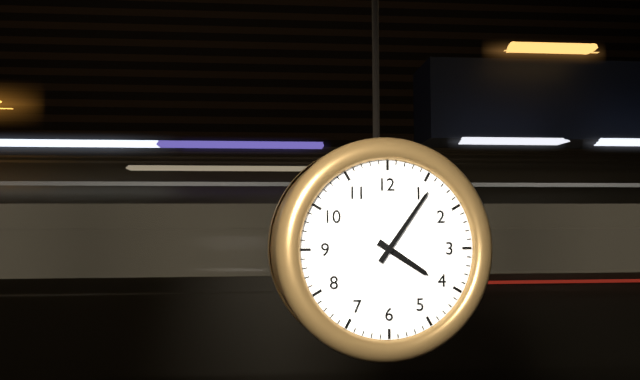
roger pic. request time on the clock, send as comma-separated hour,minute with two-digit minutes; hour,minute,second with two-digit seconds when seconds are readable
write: 4,06
